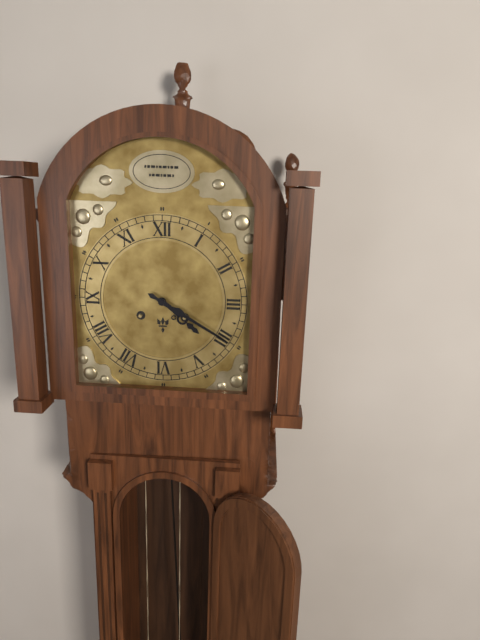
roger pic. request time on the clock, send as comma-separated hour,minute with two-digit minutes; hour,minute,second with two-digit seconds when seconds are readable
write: 4,20
